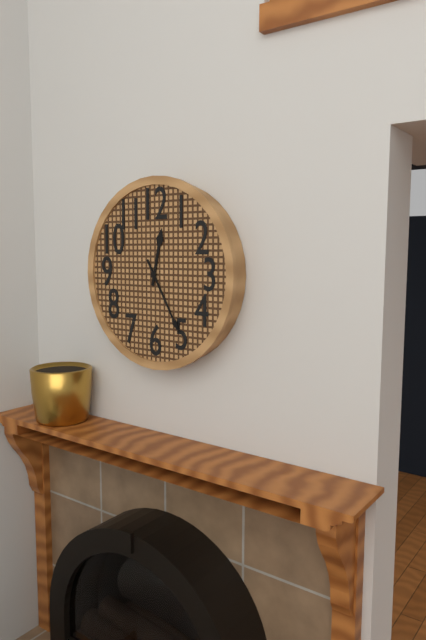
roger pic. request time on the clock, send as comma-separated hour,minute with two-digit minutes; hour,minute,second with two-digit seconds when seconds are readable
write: 12,25
